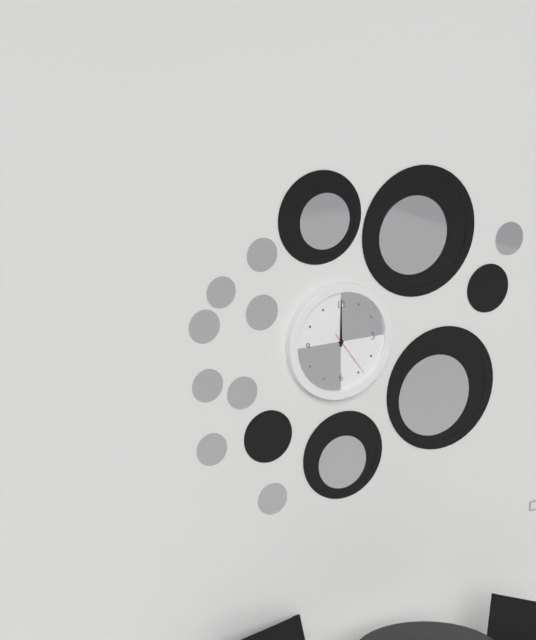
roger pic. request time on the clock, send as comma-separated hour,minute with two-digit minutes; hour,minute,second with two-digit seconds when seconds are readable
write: 12,00,24
